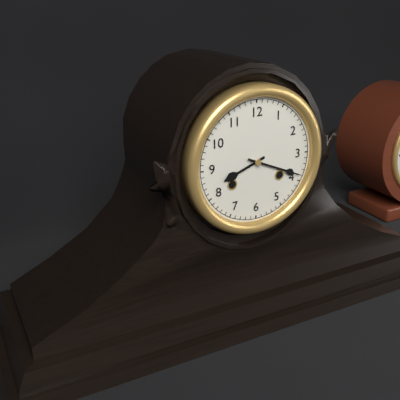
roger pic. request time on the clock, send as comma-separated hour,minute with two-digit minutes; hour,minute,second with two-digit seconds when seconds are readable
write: 8,19
